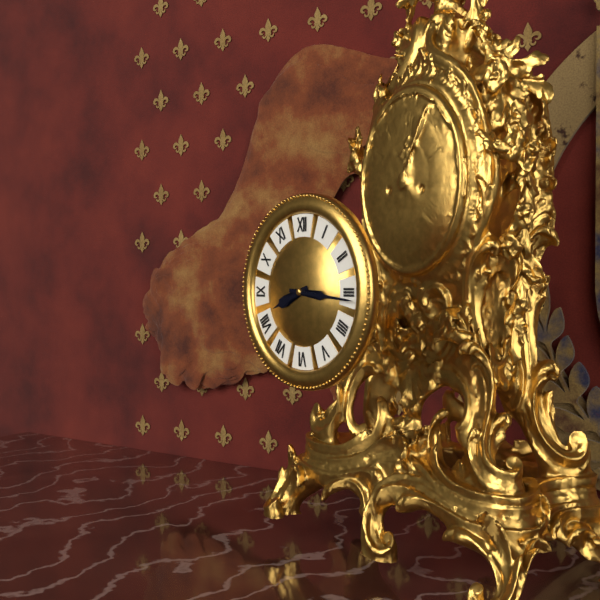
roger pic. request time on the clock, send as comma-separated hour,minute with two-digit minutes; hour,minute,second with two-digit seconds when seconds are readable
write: 8,16
